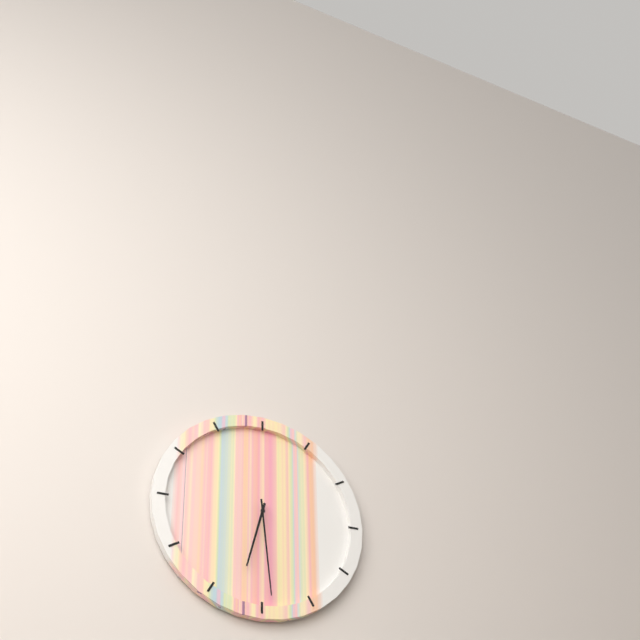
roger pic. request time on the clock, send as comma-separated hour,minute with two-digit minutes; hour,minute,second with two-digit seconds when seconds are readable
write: 6,29
